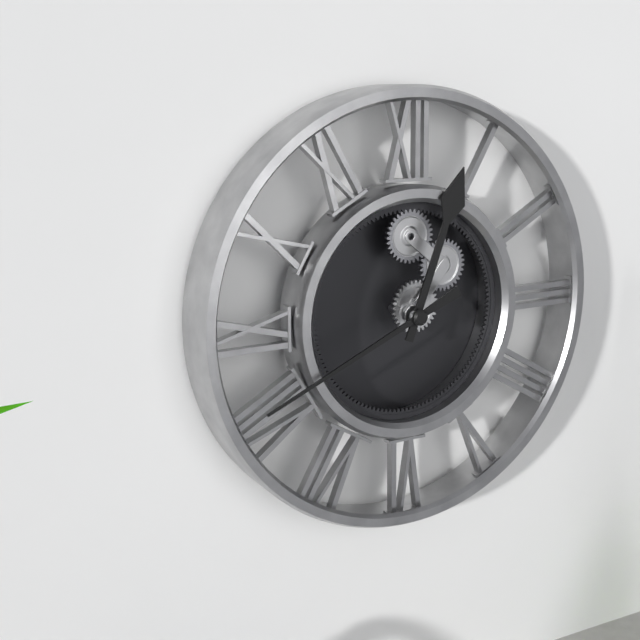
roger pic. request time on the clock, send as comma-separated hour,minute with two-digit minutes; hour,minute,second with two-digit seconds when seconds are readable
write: 12,41
